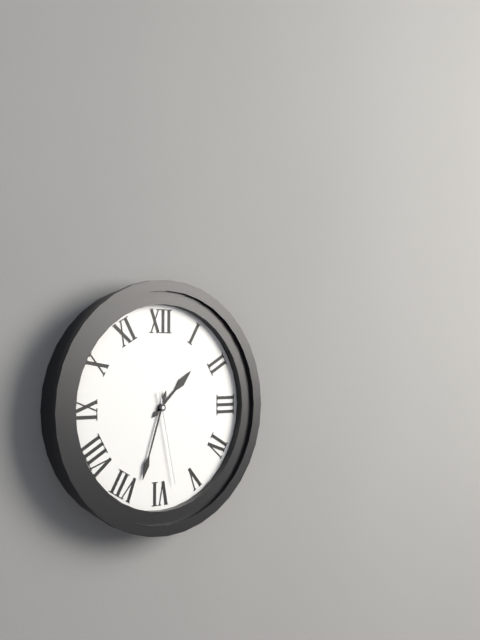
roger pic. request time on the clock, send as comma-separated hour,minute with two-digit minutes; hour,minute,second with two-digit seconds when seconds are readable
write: 1,33,28
